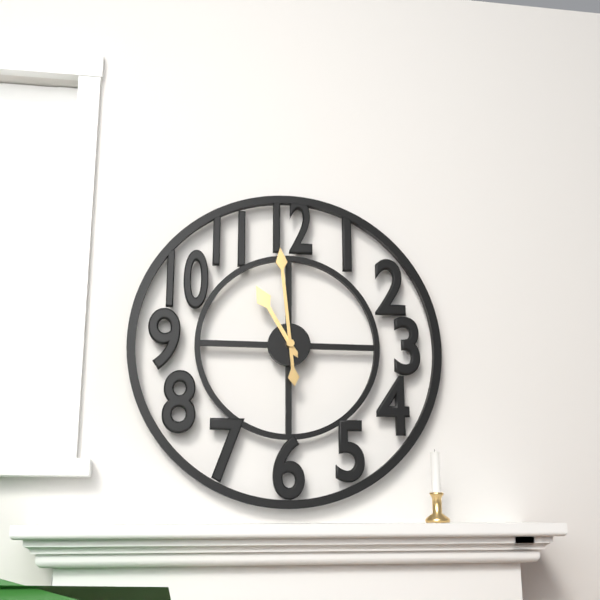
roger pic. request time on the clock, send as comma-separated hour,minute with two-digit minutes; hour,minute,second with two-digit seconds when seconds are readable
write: 10,59
